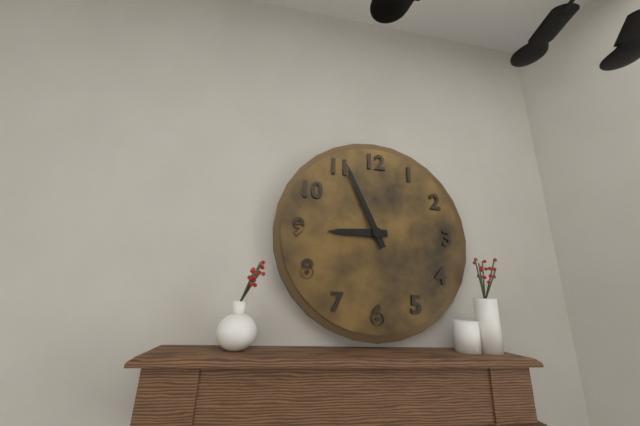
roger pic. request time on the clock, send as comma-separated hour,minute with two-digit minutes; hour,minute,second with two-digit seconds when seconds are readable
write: 8,56
